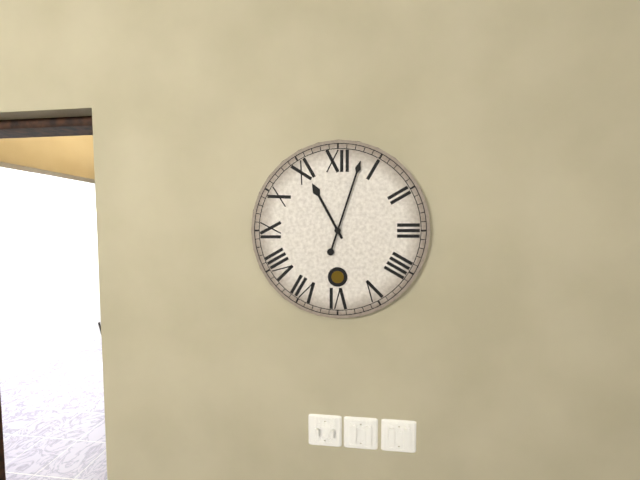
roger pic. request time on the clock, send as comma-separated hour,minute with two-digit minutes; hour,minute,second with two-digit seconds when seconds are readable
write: 11,03
